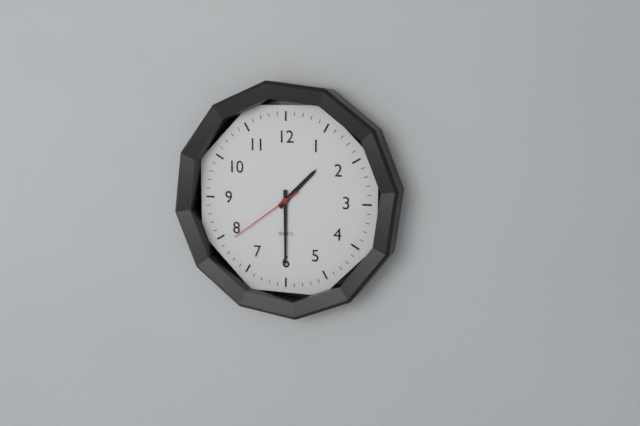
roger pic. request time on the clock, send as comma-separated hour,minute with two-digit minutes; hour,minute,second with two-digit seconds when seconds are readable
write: 1,30,39
